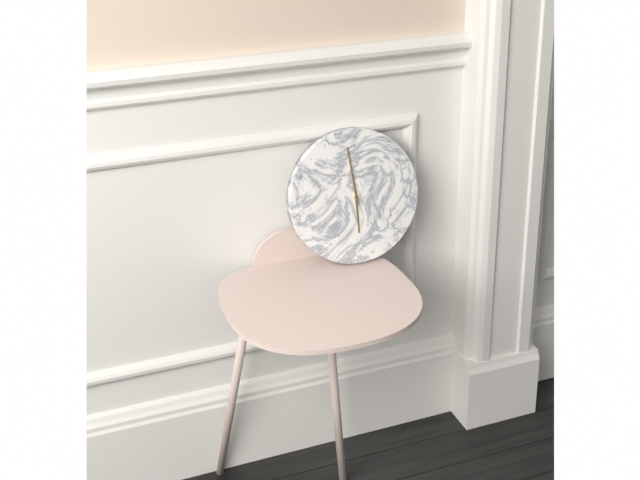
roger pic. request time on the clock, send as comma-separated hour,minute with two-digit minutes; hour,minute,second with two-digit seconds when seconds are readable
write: 5,59
